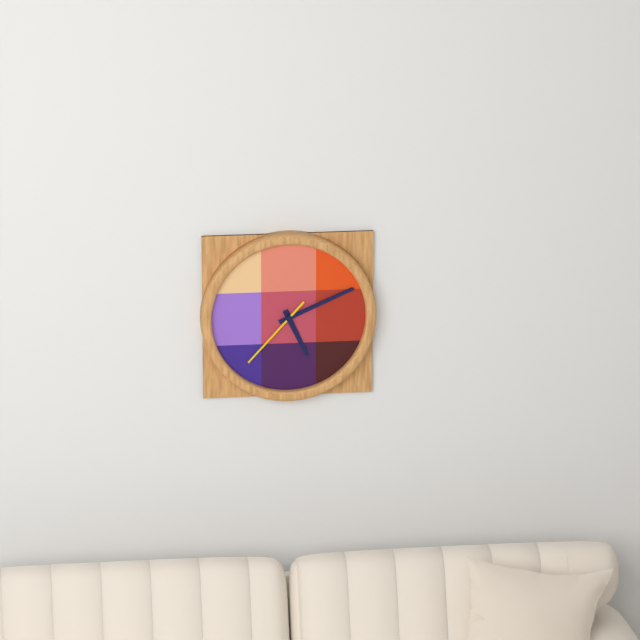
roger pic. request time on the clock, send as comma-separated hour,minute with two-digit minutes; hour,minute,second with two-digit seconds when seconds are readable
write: 5,11,37
